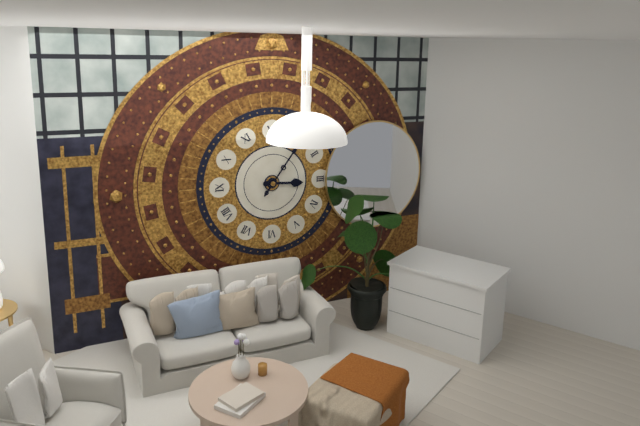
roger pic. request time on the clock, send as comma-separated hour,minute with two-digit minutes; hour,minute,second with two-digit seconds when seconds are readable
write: 3,06
